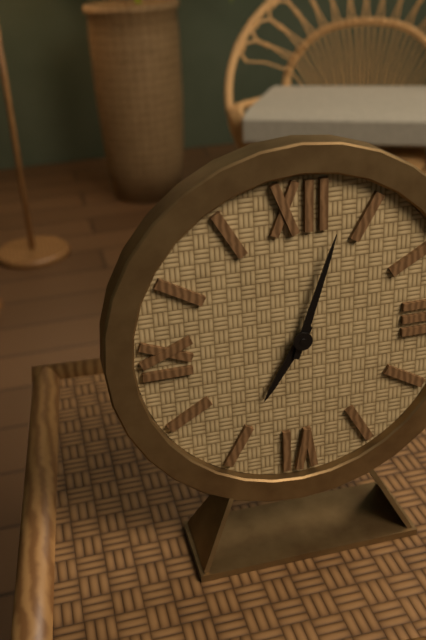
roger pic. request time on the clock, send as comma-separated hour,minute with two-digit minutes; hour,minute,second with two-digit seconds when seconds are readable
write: 7,03
